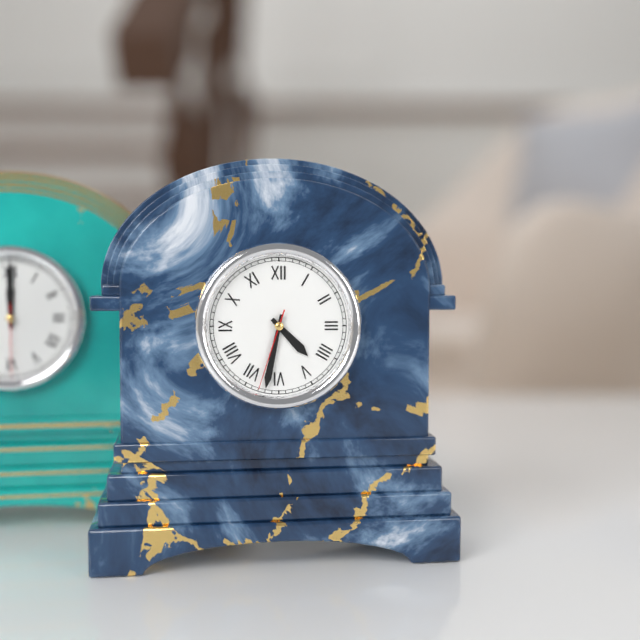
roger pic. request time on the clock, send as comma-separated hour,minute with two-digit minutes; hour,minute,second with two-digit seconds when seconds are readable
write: 4,32,33
